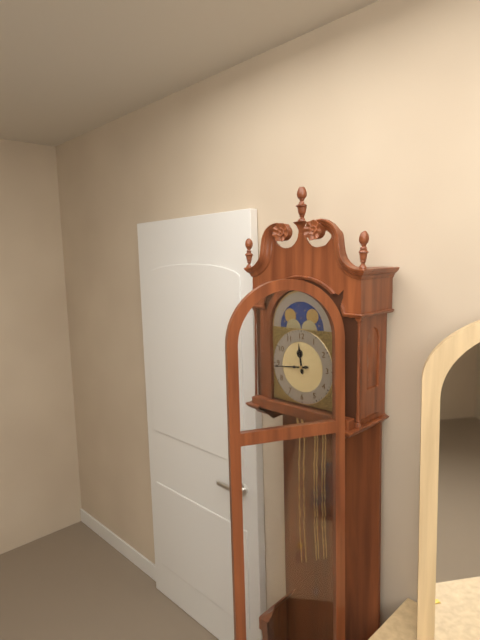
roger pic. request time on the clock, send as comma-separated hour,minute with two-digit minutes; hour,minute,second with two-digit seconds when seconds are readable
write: 11,44
